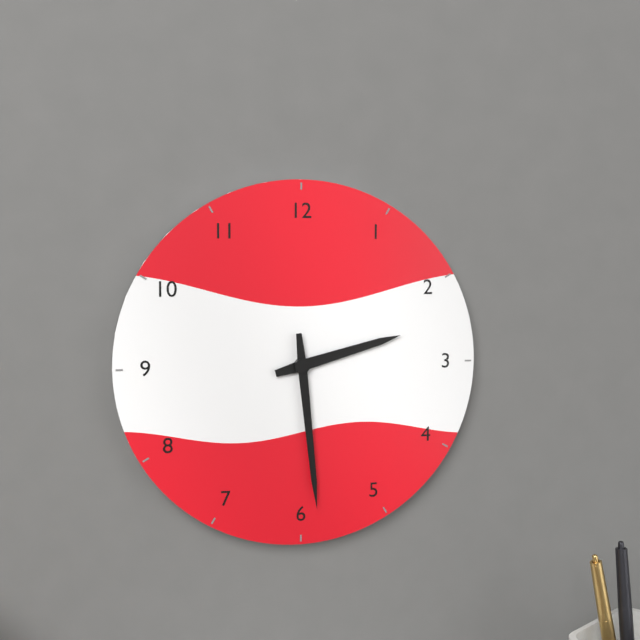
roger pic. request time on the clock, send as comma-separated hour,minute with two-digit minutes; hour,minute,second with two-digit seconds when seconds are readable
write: 2,29
